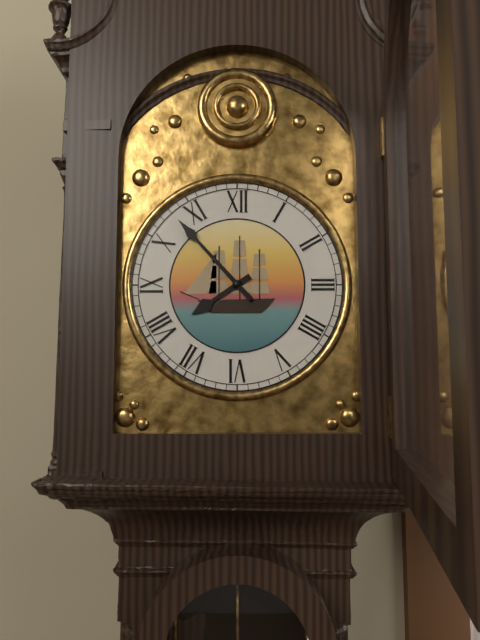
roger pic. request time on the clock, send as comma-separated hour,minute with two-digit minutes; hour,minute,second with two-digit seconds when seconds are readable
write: 7,53
